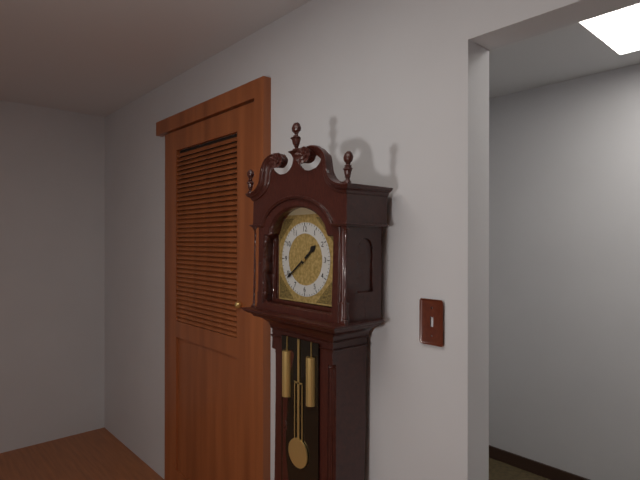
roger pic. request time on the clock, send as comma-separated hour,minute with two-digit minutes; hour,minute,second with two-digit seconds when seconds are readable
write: 1,39
